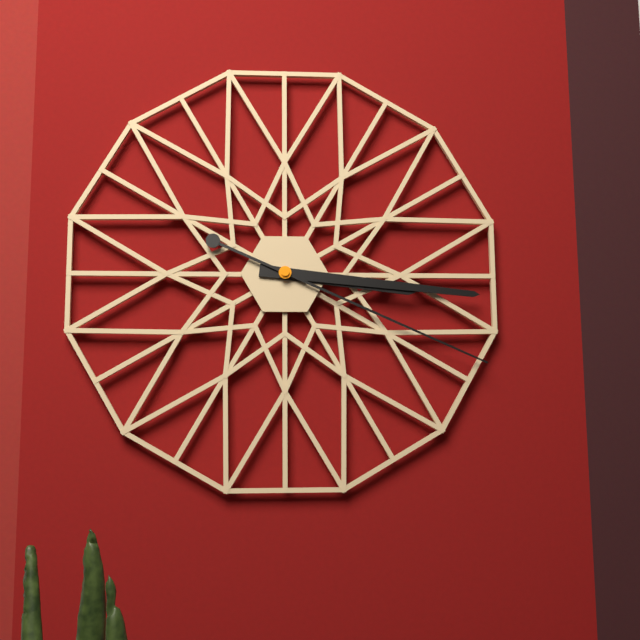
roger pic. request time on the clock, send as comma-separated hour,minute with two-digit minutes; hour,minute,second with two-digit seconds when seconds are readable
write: 3,16,19
